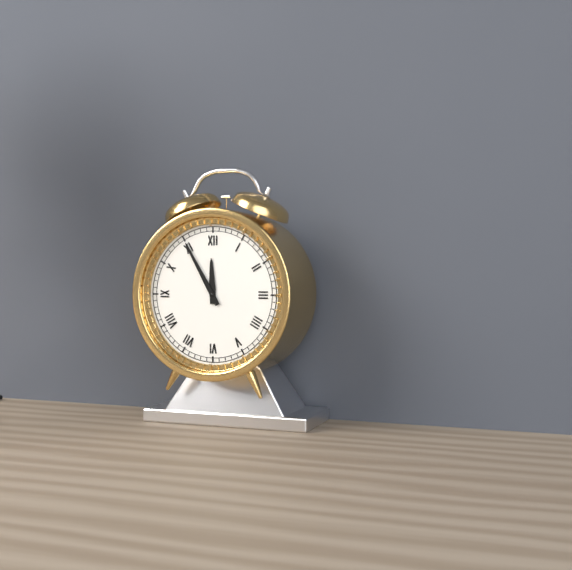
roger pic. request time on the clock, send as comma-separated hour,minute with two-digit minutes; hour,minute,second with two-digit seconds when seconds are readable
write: 11,55
